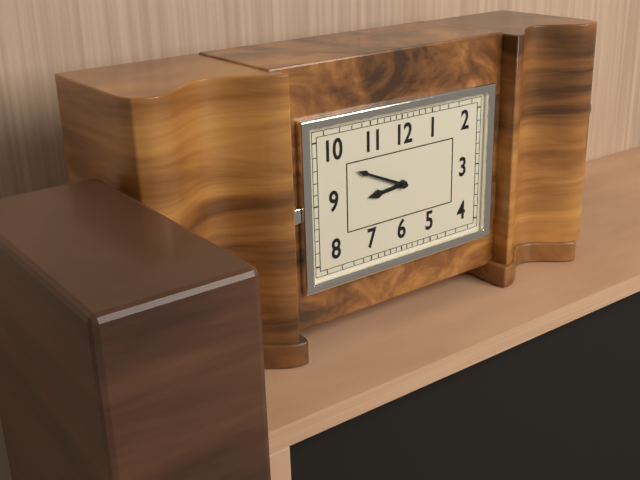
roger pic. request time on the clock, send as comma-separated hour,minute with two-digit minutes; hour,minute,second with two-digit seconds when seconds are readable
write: 8,49
